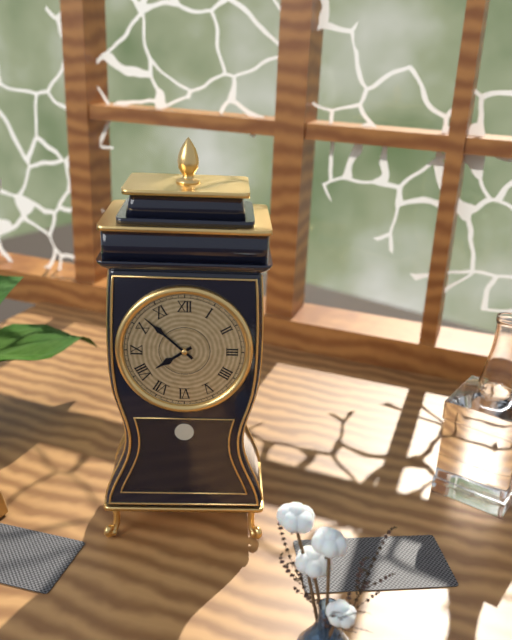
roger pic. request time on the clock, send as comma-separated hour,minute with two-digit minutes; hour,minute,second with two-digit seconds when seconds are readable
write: 7,52
